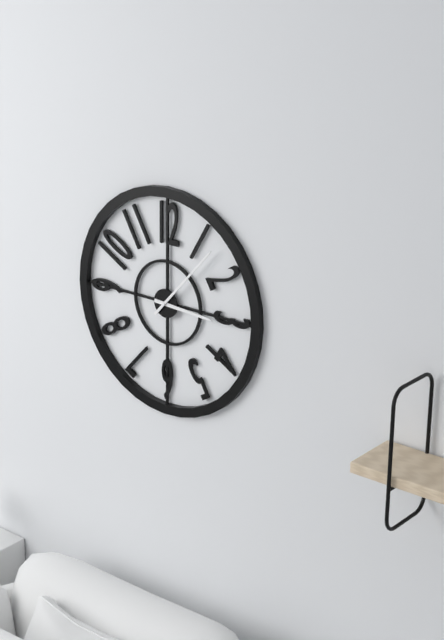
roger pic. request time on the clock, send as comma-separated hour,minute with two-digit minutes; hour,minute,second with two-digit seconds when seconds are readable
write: 3,07
